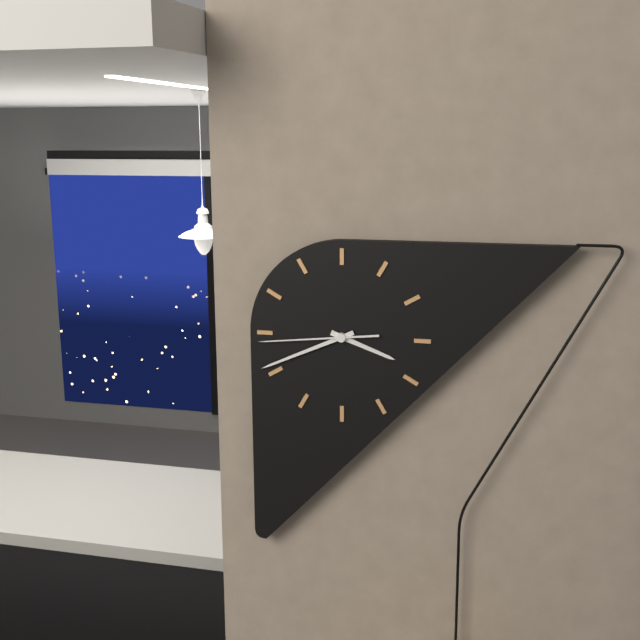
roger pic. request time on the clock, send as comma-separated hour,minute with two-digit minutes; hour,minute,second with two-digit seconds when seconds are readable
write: 3,41,44
